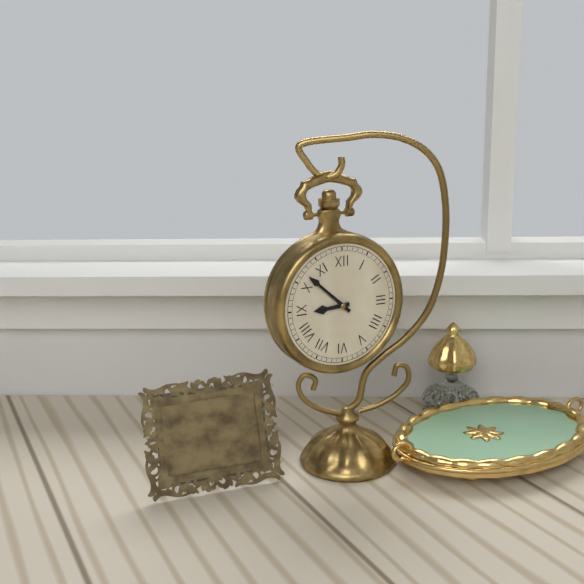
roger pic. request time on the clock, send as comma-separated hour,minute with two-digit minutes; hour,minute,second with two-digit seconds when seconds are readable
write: 8,52
